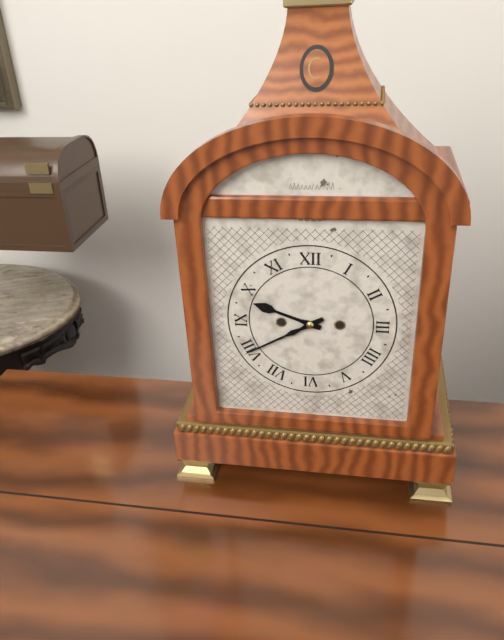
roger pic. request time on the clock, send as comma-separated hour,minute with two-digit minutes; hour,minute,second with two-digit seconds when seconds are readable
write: 9,40
